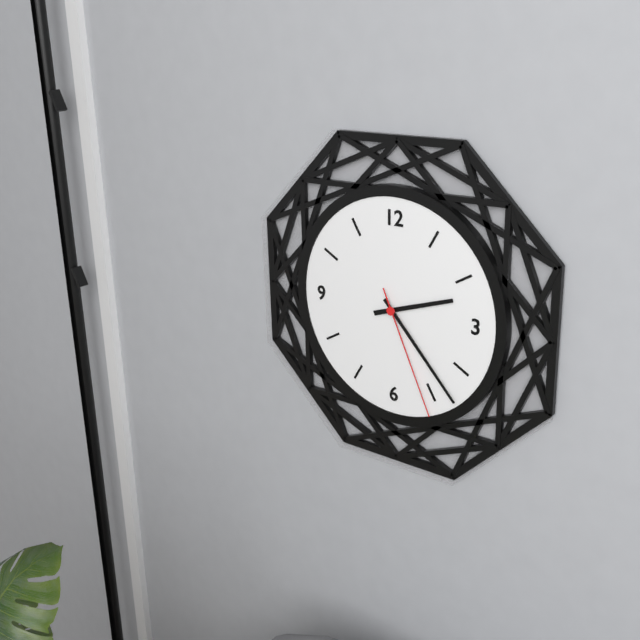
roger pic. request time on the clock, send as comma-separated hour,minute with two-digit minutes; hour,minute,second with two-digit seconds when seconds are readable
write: 2,23,26
